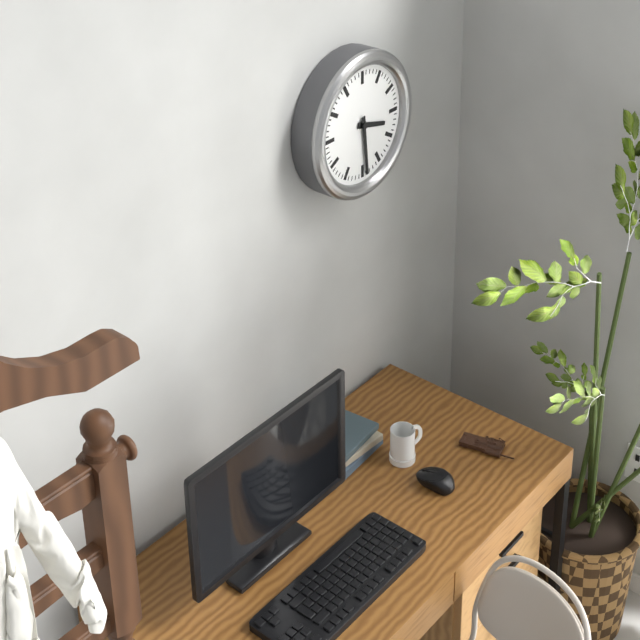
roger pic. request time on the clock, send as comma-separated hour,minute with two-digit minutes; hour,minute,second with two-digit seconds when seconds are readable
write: 3,29
